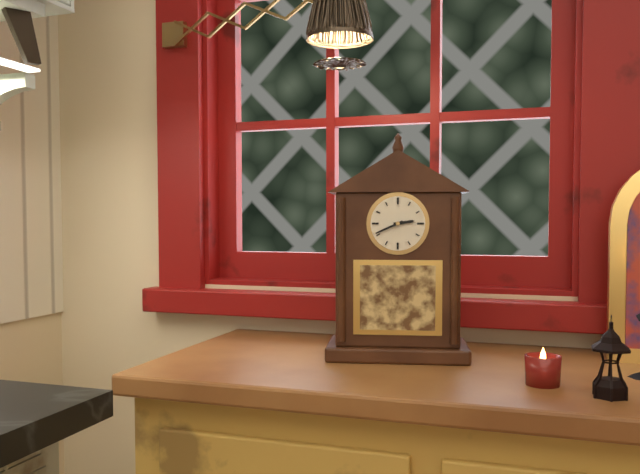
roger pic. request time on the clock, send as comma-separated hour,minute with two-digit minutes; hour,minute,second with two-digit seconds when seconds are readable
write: 2,41
